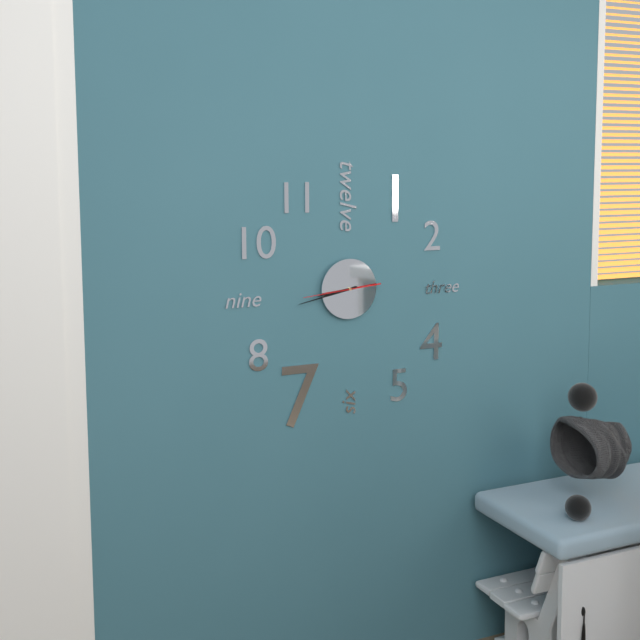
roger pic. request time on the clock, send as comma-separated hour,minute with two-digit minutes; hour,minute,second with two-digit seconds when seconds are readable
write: 8,43,44
